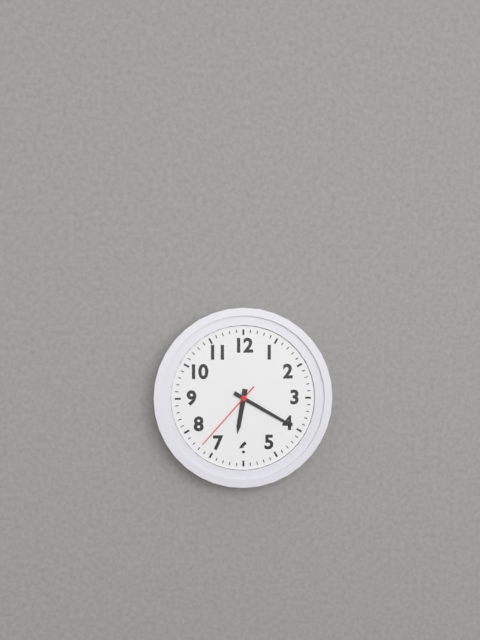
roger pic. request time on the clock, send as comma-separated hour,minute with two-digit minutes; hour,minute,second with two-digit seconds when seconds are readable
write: 6,20,37
